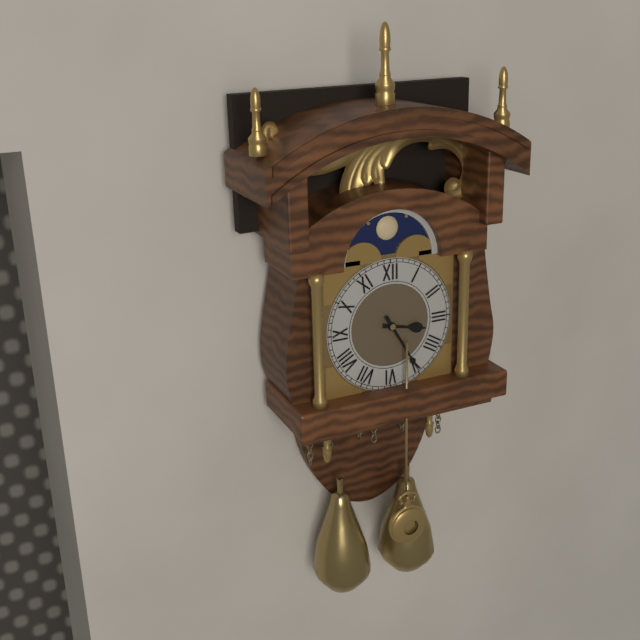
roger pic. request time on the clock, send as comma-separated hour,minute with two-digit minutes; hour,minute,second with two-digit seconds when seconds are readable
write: 3,25
